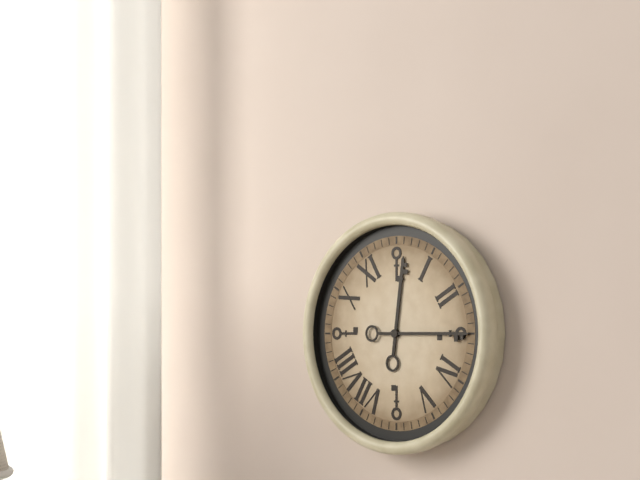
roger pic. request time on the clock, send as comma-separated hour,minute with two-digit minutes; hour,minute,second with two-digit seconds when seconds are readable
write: 12,15
